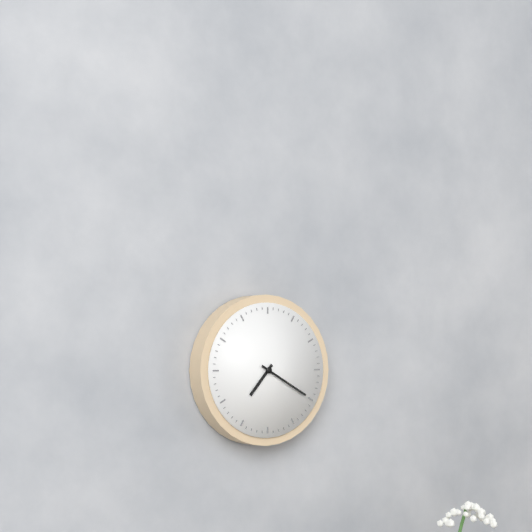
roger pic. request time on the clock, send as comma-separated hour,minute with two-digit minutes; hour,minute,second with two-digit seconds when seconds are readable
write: 7,20
